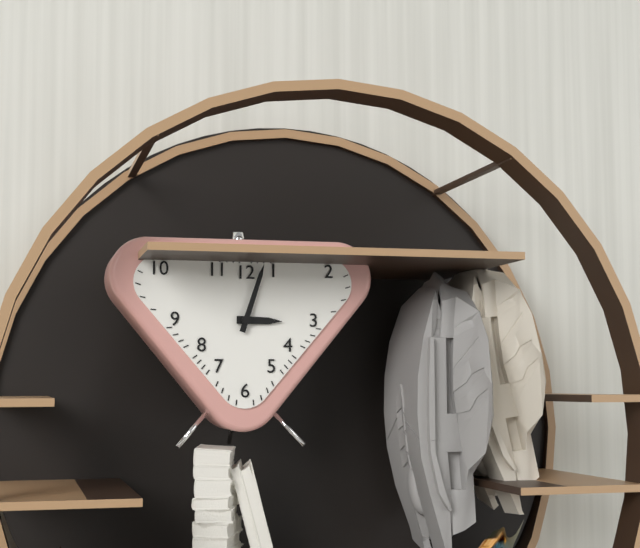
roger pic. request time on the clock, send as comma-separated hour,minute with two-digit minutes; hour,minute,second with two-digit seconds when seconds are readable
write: 3,03
